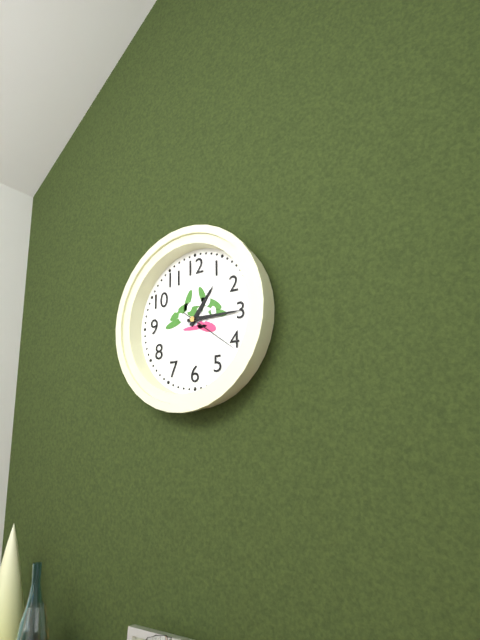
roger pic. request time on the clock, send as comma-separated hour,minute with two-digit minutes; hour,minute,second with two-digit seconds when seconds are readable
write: 1,15,21
